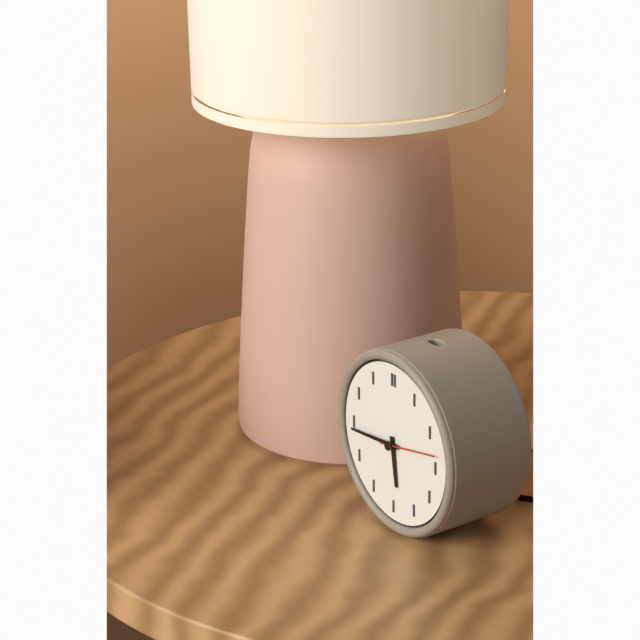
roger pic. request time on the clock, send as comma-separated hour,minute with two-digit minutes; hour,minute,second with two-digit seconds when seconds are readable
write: 5,44,13
